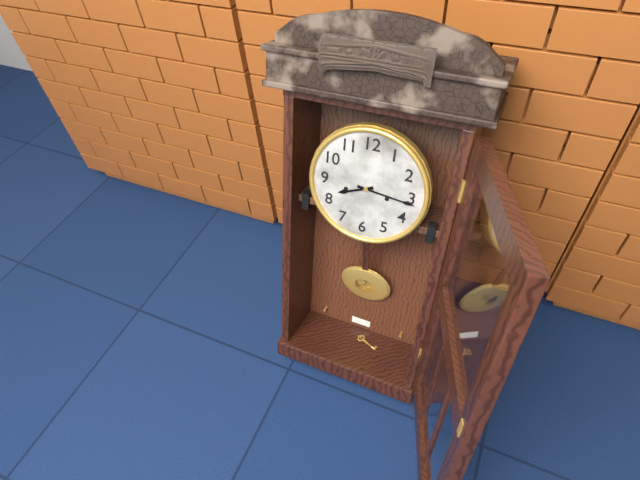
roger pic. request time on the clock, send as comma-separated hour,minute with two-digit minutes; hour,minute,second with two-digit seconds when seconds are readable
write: 8,16
